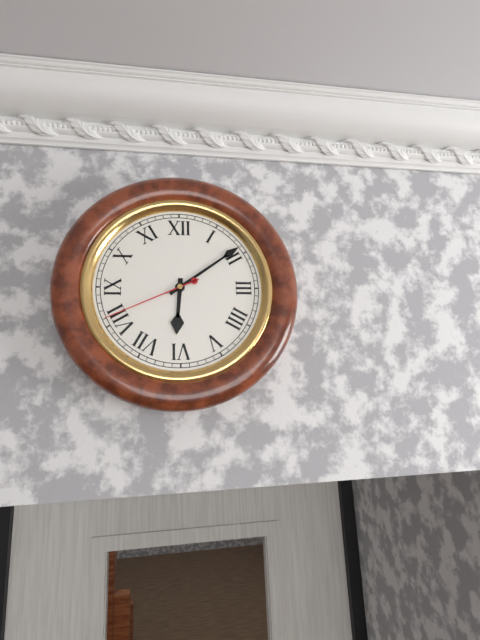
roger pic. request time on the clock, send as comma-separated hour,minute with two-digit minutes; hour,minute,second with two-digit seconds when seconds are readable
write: 6,09,41
